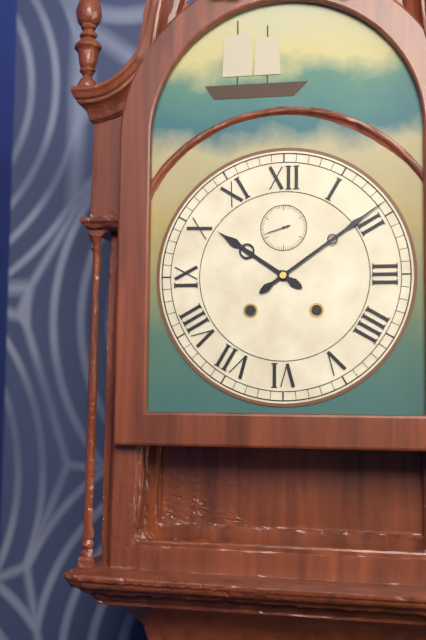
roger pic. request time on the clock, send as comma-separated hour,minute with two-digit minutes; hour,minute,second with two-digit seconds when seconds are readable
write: 10,09
